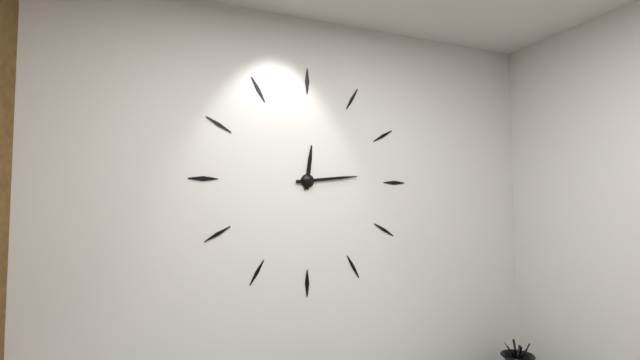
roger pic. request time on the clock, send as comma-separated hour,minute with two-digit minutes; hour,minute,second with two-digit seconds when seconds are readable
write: 12,14
